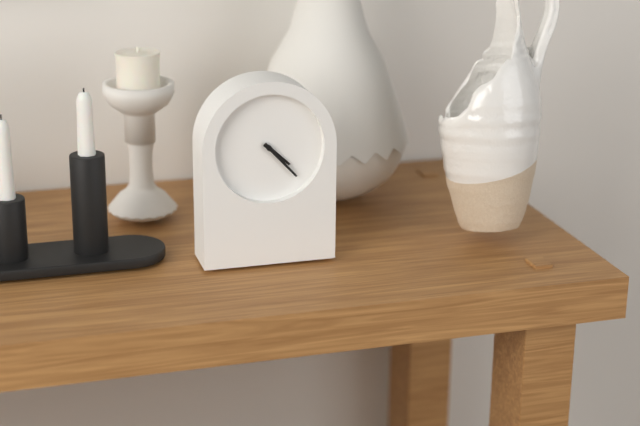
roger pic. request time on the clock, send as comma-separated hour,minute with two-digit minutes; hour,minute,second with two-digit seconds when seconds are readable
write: 4,23
